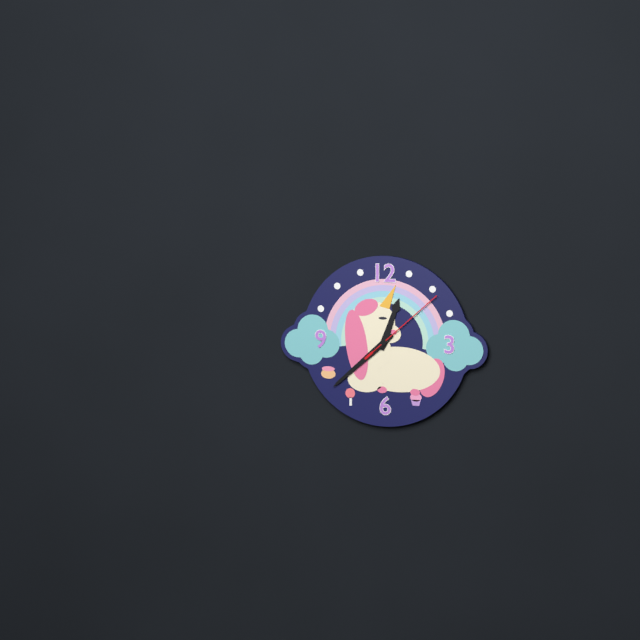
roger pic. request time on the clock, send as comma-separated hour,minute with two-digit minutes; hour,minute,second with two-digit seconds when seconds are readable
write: 12,38,08
